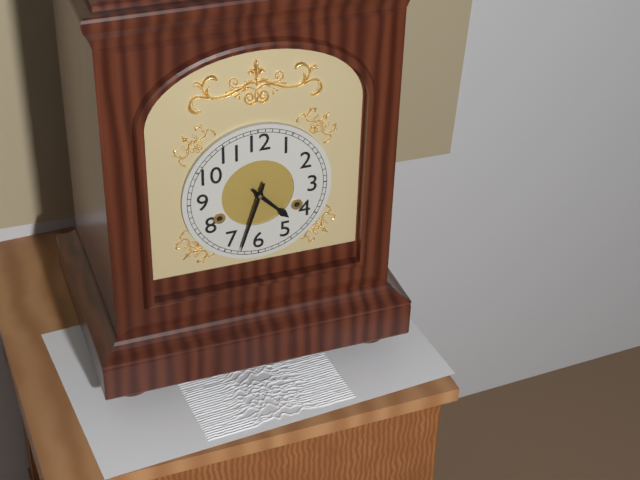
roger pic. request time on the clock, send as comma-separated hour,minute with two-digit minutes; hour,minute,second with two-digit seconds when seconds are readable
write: 4,33
